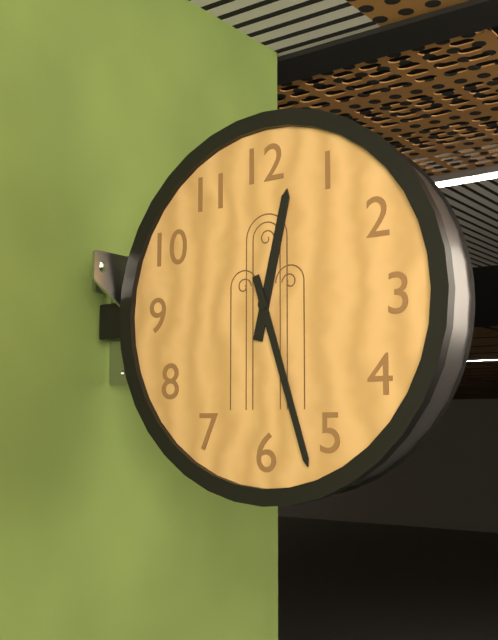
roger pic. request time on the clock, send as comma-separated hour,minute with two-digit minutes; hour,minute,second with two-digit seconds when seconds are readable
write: 12,27
